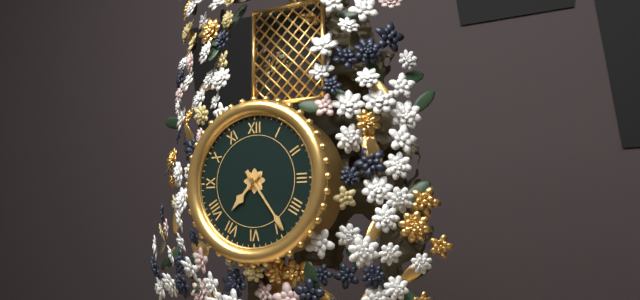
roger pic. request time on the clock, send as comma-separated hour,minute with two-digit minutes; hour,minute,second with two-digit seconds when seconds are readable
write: 7,24
